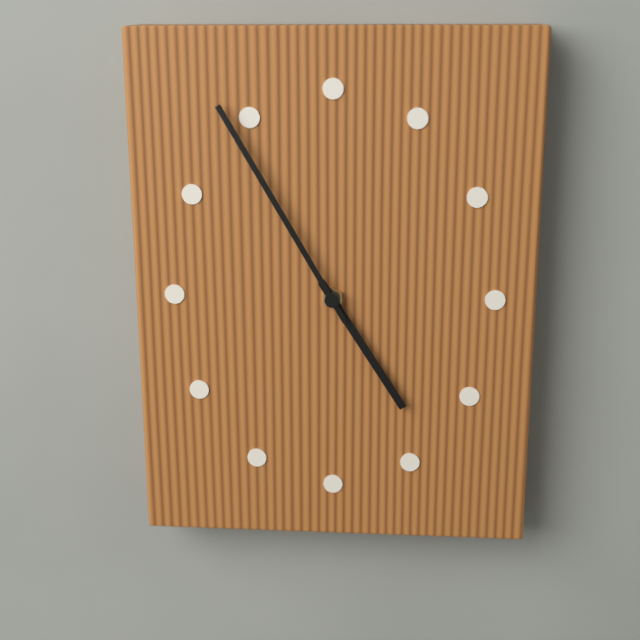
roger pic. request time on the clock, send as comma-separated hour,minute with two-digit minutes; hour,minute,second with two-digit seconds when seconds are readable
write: 4,55
